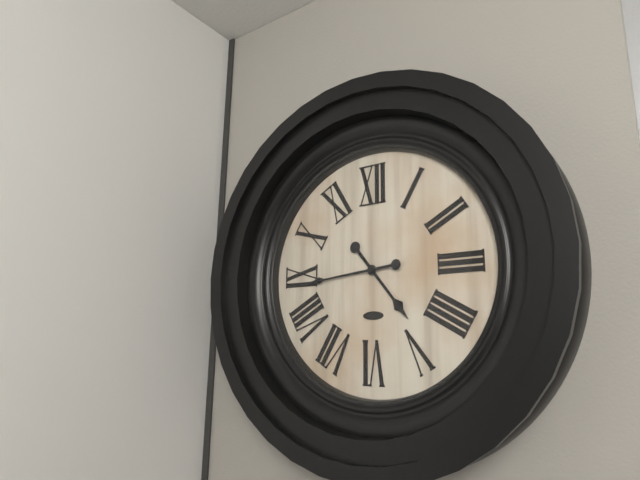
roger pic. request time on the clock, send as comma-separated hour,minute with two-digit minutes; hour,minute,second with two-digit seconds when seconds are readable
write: 4,44
